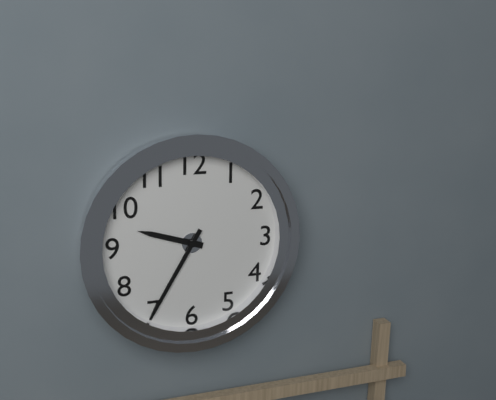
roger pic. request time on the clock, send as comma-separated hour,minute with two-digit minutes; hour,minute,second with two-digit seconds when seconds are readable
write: 9,35
